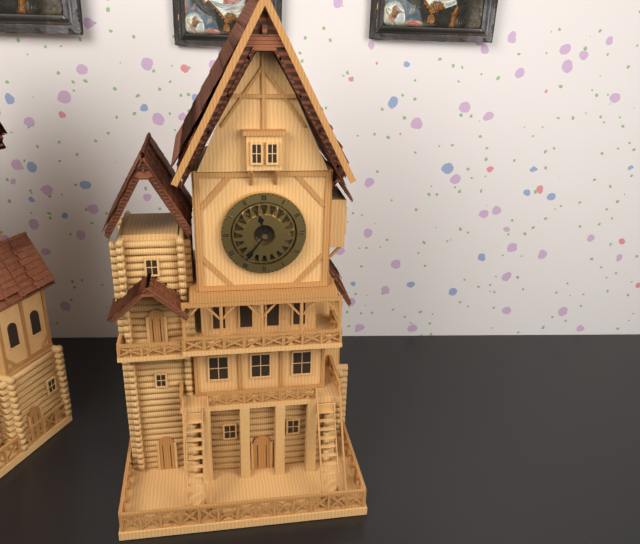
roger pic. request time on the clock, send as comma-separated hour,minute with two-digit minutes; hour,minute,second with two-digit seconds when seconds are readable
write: 11,36
